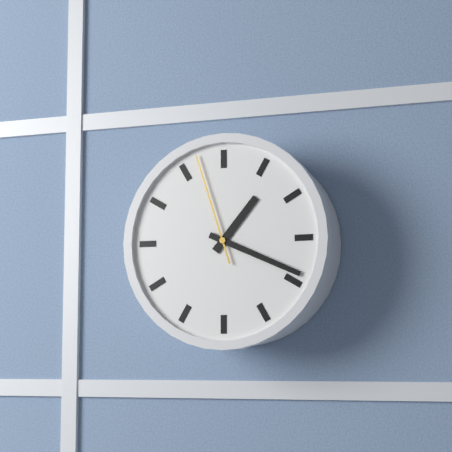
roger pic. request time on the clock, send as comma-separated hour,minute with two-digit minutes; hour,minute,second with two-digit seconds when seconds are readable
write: 1,19,57
